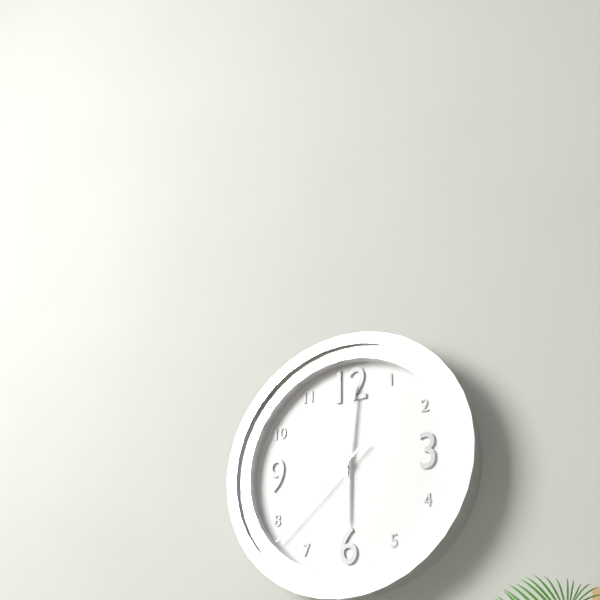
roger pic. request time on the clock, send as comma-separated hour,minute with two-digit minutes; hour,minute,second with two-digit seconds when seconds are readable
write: 6,01,38
